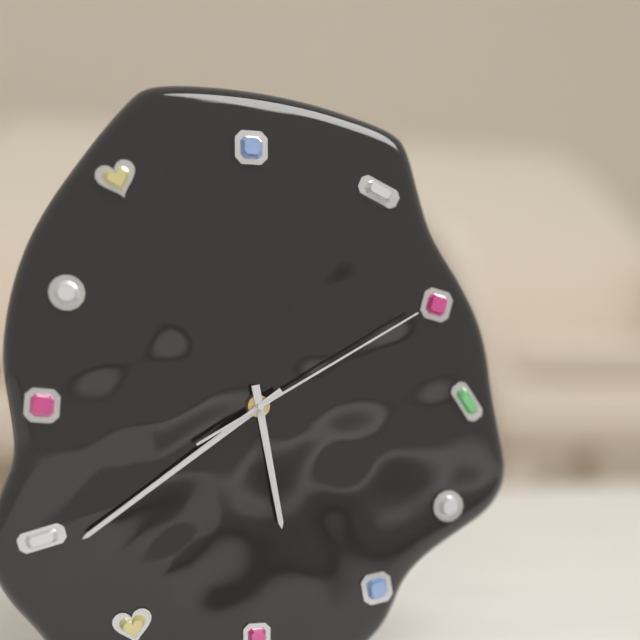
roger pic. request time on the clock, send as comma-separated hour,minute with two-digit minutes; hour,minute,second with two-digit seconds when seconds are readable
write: 5,39,10
